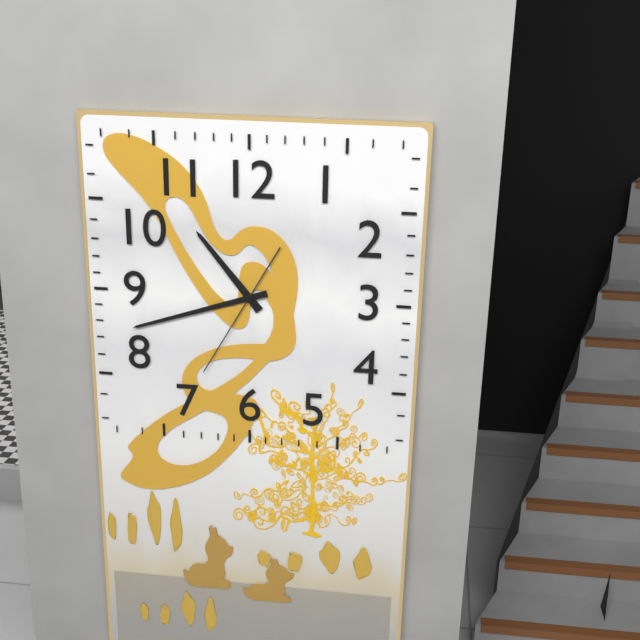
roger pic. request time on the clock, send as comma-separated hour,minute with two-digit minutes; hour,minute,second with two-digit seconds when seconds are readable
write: 10,42,35
